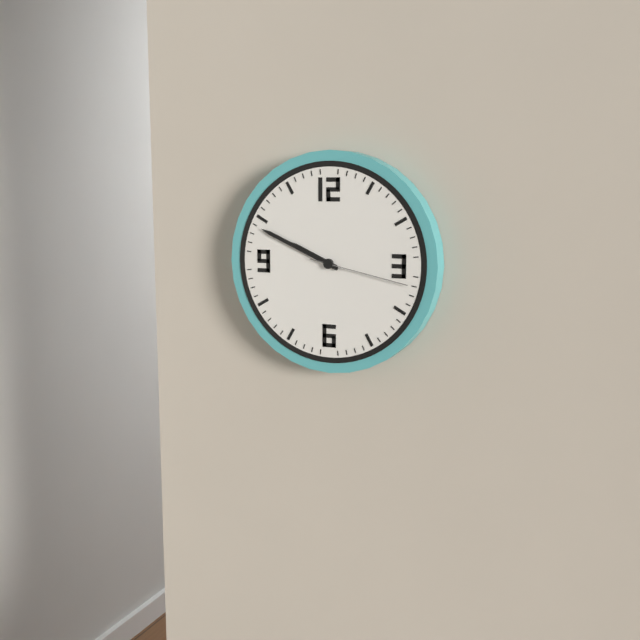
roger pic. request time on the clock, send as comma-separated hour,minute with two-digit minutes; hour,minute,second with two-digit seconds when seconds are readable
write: 9,49,17
